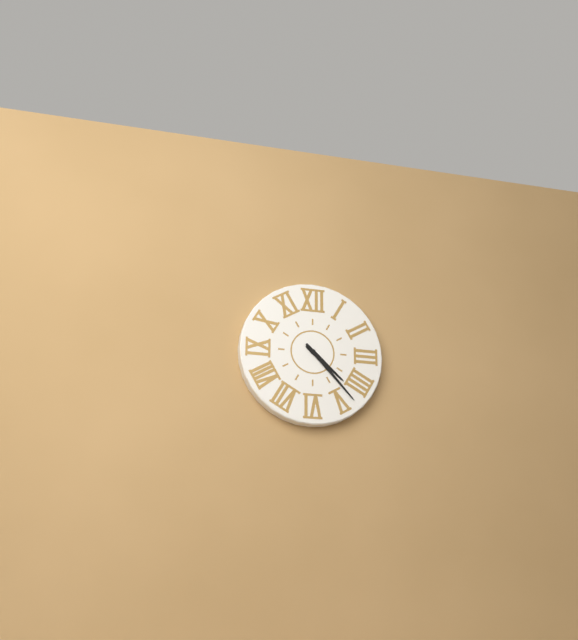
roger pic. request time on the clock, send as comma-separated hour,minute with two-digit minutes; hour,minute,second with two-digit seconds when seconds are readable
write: 4,23
